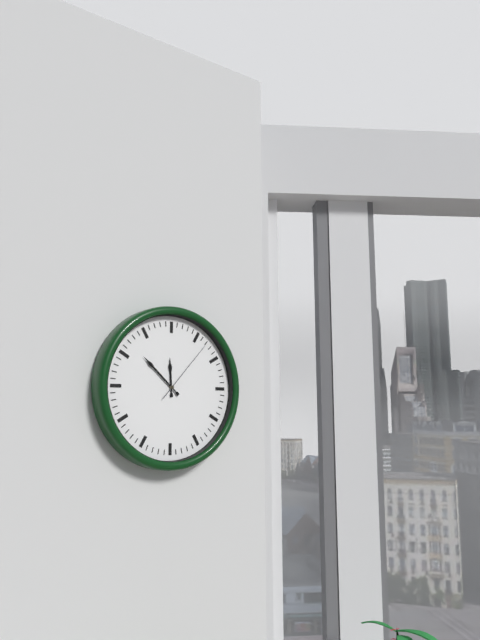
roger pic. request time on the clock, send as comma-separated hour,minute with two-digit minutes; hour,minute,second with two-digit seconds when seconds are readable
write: 11,52,07
